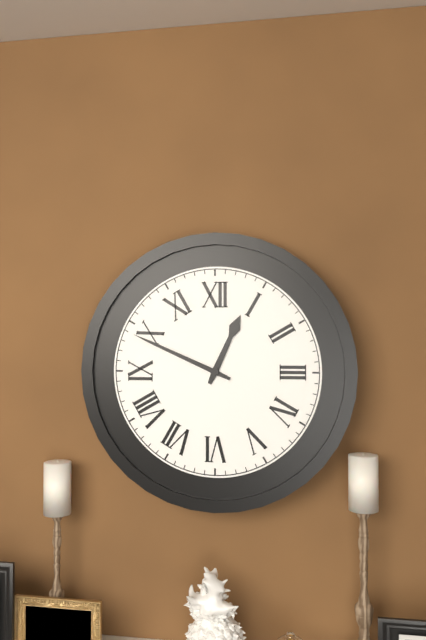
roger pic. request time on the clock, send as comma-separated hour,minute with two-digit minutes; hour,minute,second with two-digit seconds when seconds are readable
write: 12,49
